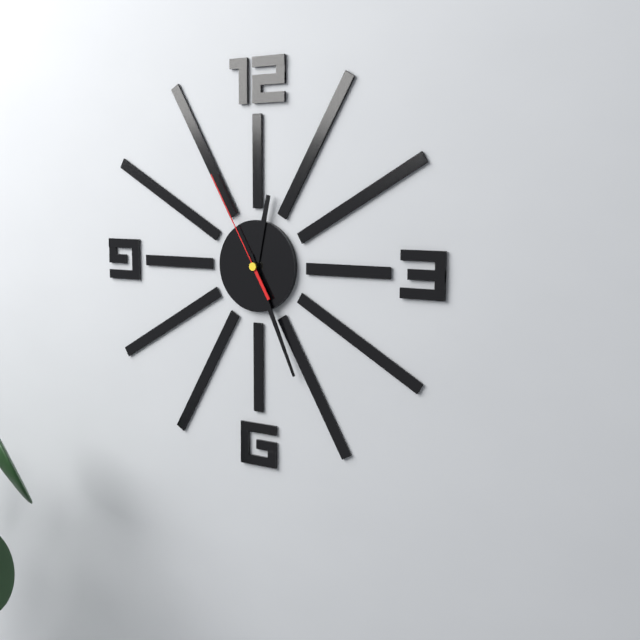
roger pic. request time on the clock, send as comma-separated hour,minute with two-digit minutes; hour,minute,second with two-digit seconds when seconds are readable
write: 12,26,55
